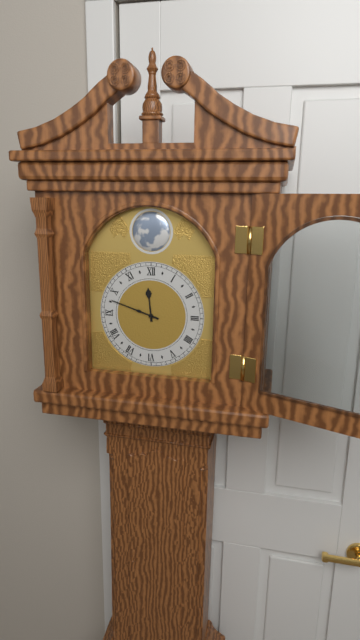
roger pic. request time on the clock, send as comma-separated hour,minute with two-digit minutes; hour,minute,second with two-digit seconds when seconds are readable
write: 11,48
